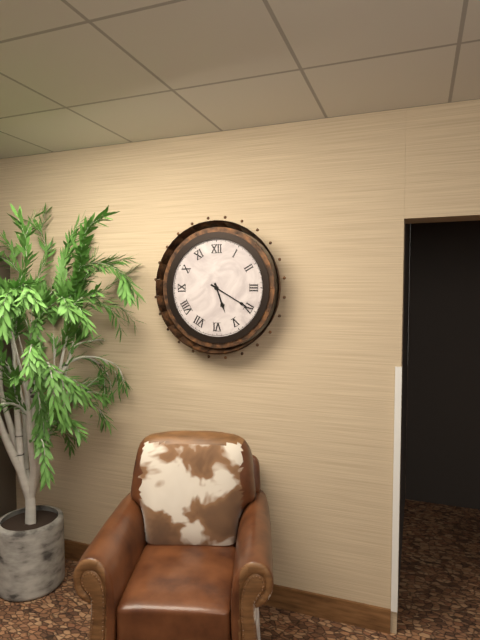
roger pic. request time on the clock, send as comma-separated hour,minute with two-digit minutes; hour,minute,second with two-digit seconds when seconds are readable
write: 5,20
